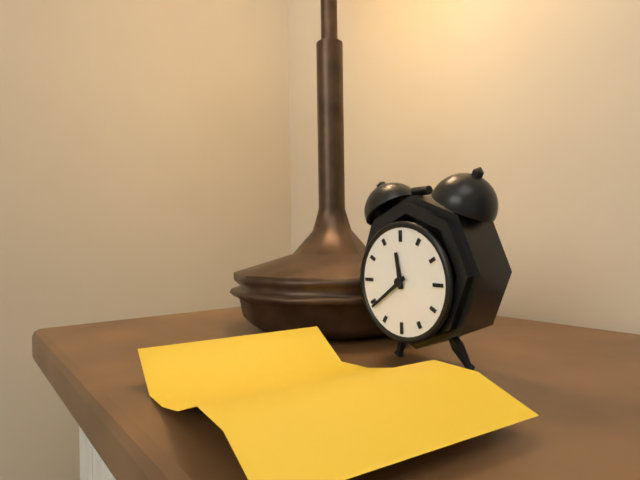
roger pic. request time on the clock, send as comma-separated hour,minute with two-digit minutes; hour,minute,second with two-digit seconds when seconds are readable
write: 11,39
